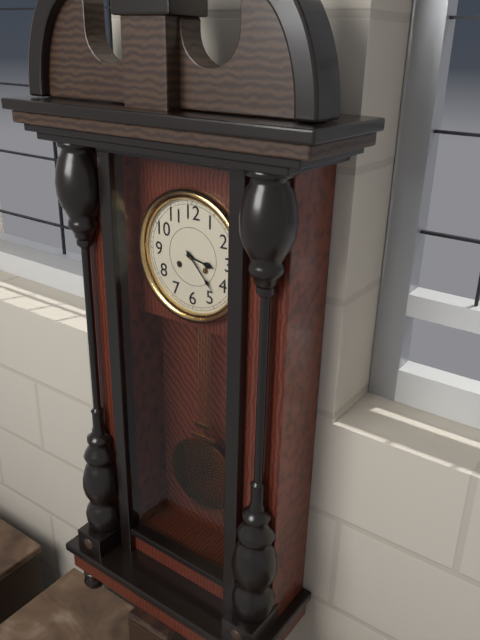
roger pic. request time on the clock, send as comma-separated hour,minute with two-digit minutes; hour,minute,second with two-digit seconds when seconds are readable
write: 3,23
